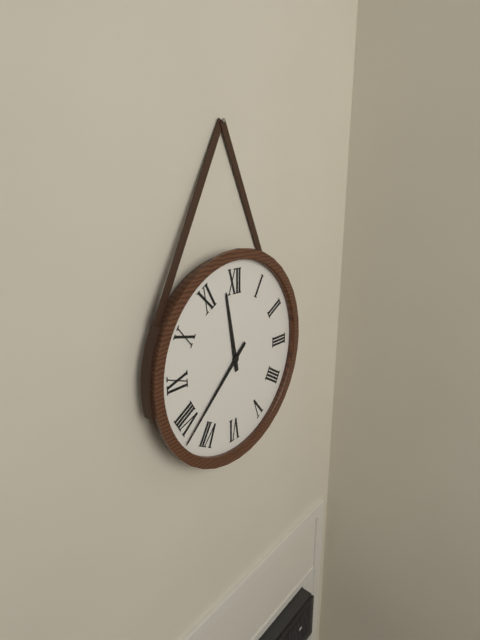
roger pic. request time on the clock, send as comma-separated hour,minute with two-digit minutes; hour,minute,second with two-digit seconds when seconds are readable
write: 11,38
